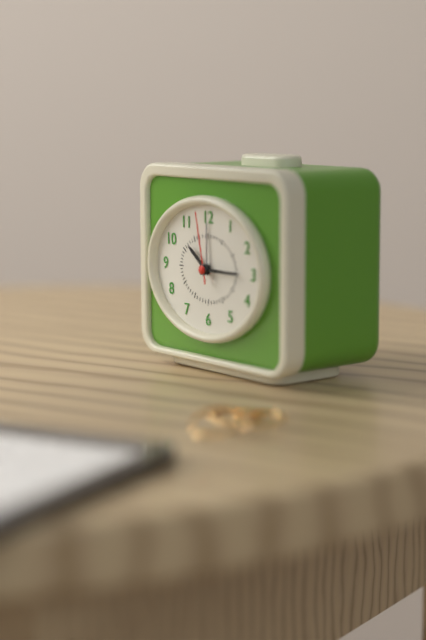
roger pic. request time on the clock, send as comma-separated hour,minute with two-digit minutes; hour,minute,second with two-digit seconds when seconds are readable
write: 10,15,58
